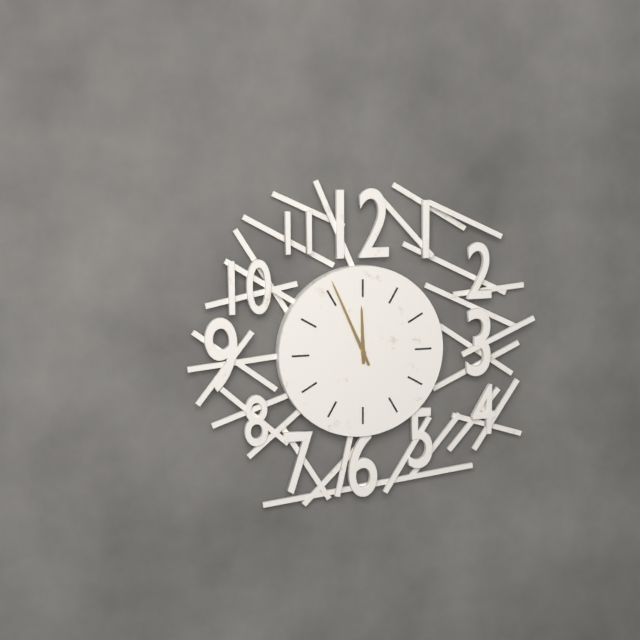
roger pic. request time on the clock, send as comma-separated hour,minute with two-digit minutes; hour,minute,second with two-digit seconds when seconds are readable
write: 11,56
